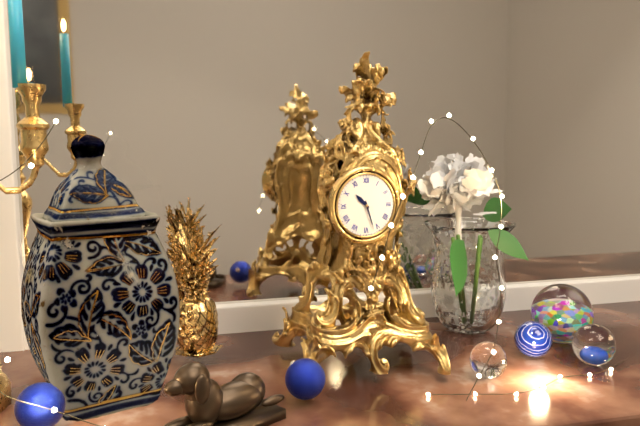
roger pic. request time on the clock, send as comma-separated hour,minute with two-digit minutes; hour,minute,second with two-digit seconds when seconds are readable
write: 10,27
